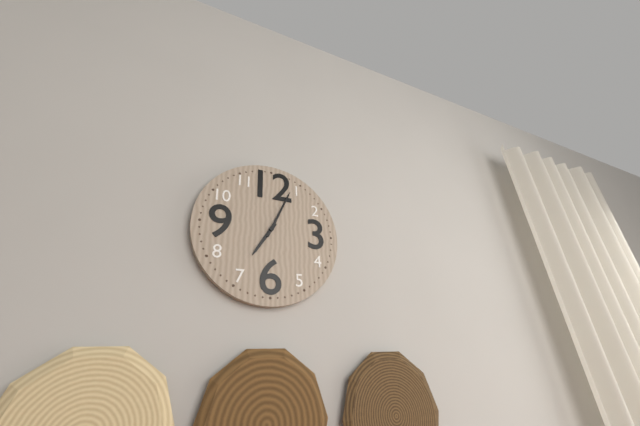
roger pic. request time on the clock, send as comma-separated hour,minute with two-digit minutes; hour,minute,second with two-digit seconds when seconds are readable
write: 7,04
